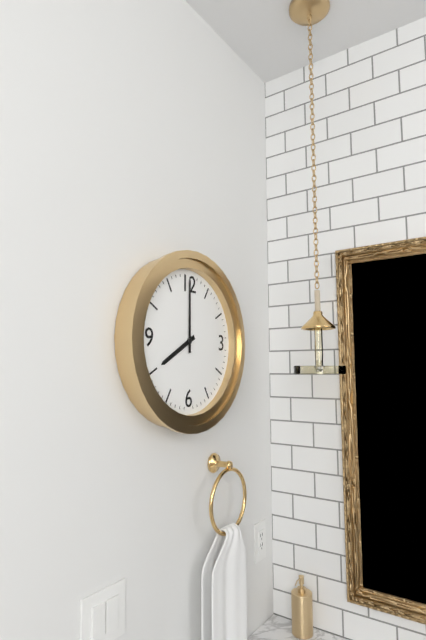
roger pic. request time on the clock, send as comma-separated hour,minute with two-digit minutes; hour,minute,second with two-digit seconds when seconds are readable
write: 8,00
